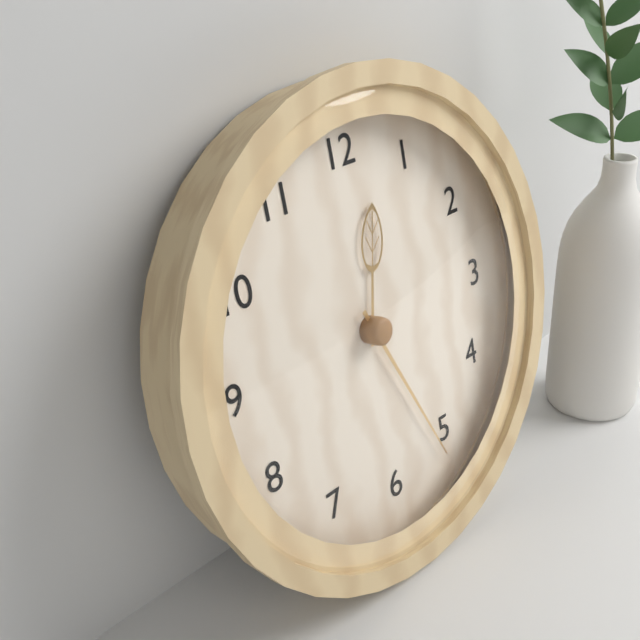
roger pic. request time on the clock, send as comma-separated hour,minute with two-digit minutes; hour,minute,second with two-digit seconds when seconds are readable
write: 12,26
